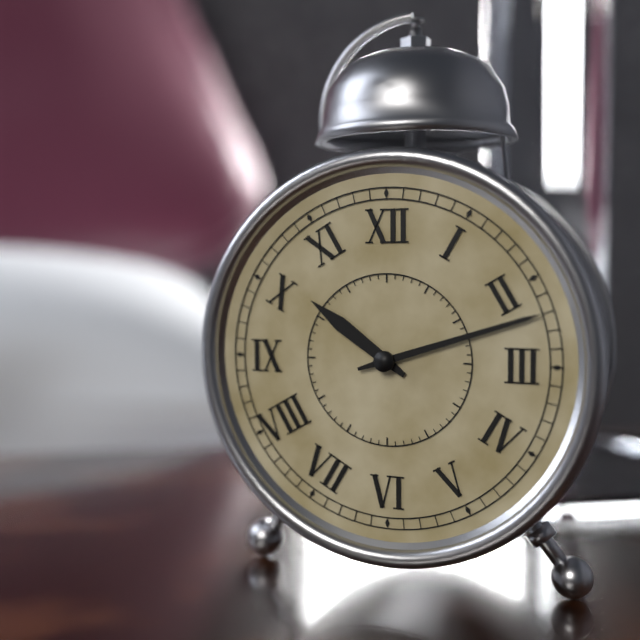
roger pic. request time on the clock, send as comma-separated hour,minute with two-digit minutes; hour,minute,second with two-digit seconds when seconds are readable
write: 10,12
